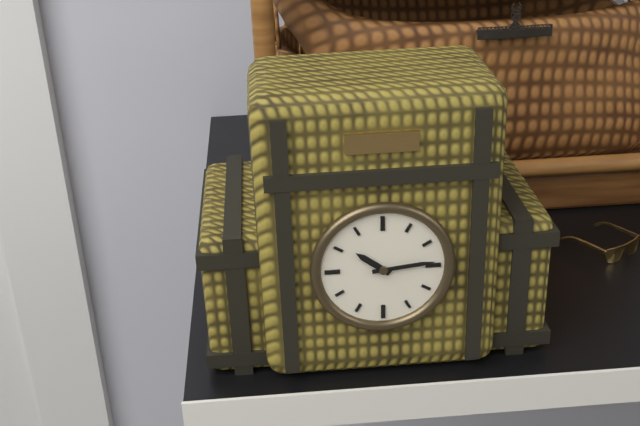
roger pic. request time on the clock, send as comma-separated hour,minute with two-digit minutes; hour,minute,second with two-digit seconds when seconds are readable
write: 10,14
